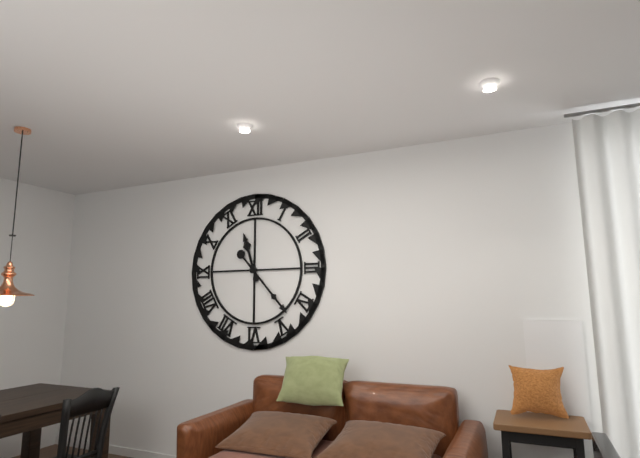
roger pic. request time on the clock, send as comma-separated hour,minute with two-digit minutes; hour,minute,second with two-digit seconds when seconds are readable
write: 11,23
